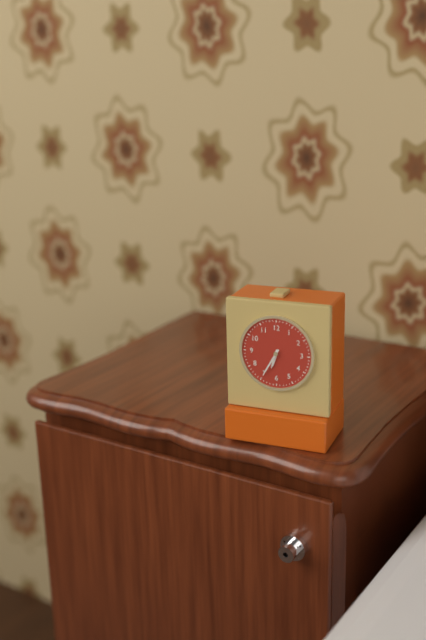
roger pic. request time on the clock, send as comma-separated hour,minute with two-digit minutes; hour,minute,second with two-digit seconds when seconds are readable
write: 6,35
